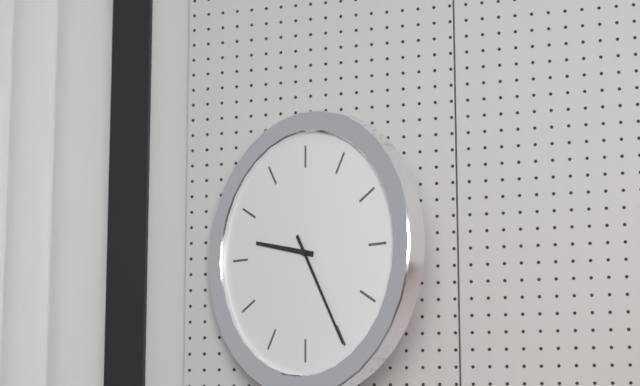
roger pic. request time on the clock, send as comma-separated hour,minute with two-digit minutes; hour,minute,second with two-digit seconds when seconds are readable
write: 9,25
